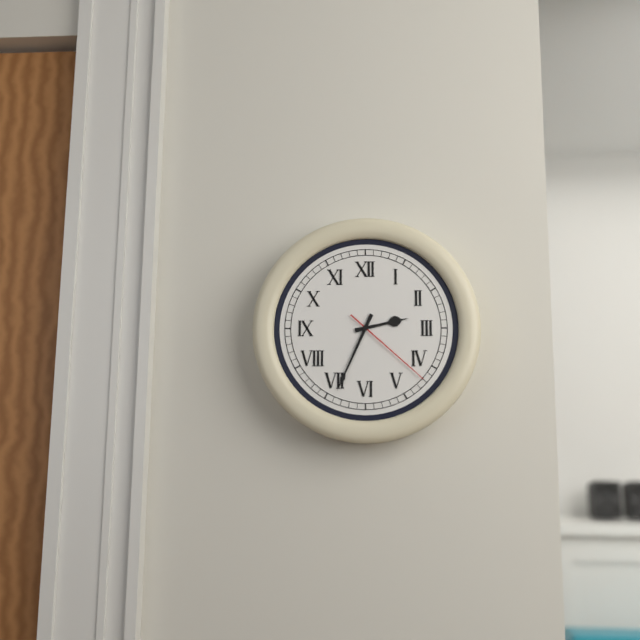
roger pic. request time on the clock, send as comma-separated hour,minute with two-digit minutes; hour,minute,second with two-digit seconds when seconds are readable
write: 2,34,22
